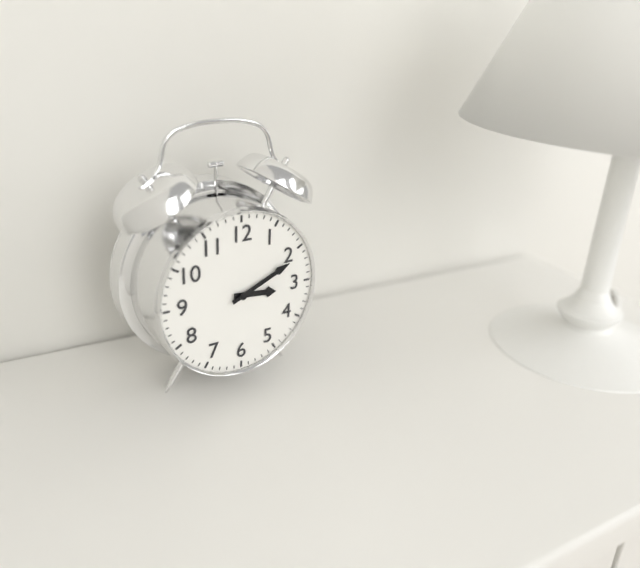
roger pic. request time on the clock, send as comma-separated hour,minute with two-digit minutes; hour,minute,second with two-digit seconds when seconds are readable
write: 3,11
